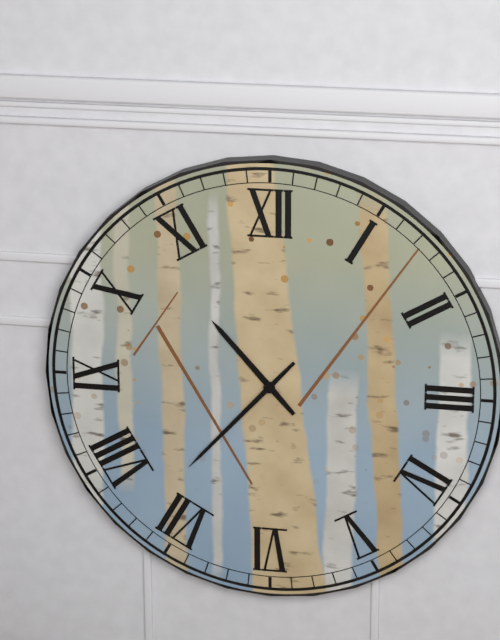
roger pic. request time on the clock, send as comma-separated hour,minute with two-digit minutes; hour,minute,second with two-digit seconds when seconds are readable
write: 10,37
